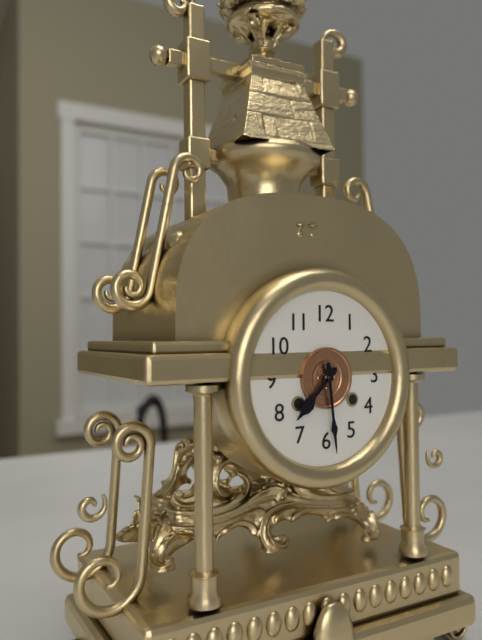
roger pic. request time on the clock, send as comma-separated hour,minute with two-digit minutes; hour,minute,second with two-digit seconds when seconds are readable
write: 7,29
